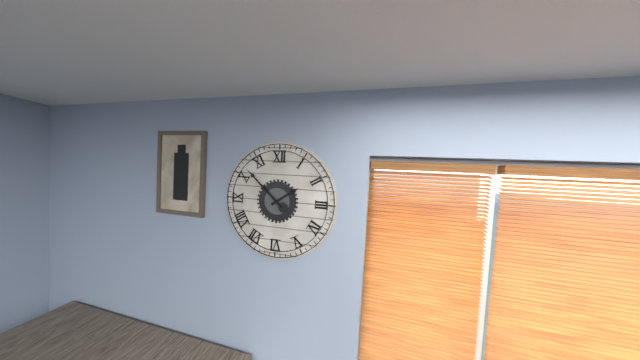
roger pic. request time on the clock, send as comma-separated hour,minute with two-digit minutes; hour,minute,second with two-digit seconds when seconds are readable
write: 1,52
